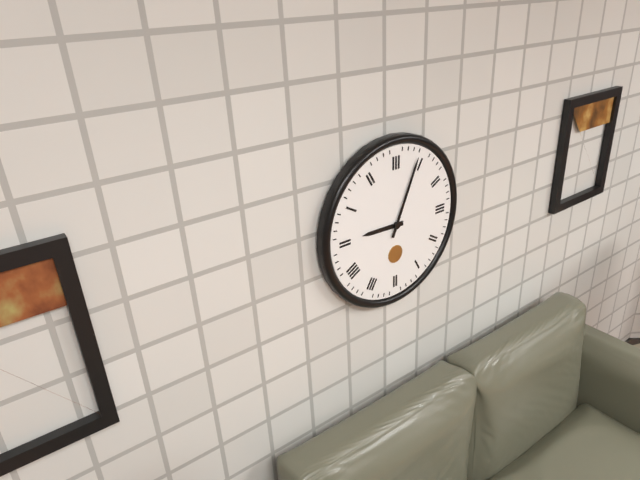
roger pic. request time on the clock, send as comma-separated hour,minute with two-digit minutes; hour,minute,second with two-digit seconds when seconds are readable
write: 9,04
